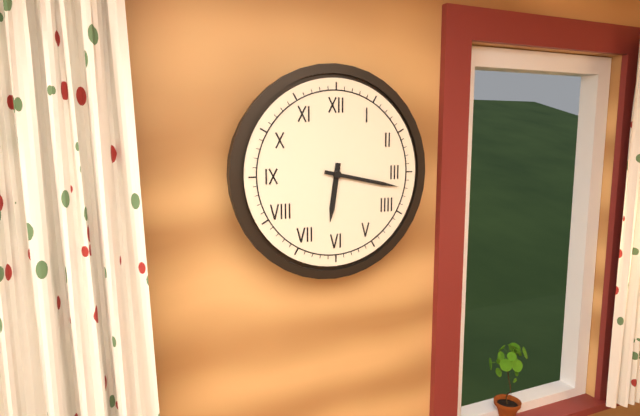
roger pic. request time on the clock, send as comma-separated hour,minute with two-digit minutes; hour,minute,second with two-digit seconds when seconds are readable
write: 6,17
